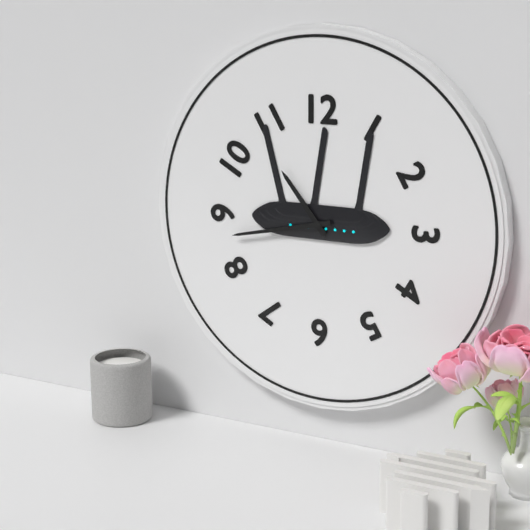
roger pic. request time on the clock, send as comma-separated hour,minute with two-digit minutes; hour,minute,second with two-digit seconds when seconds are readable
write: 10,43
